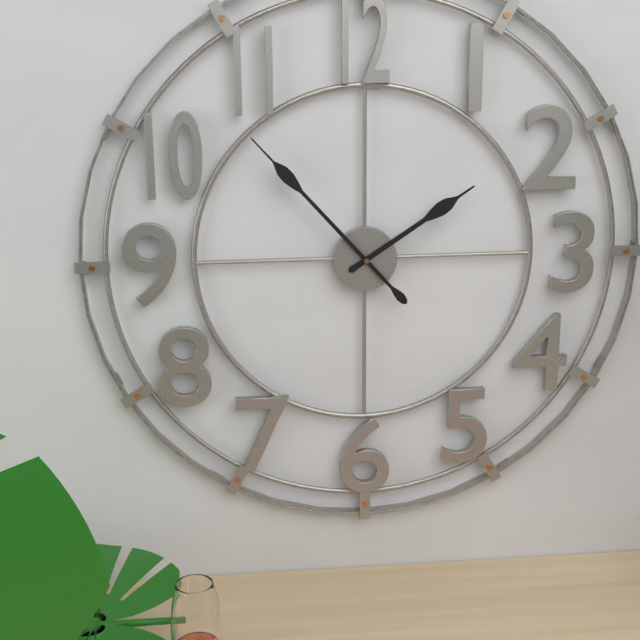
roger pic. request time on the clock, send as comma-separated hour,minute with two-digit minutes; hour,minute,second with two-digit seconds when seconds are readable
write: 1,53
